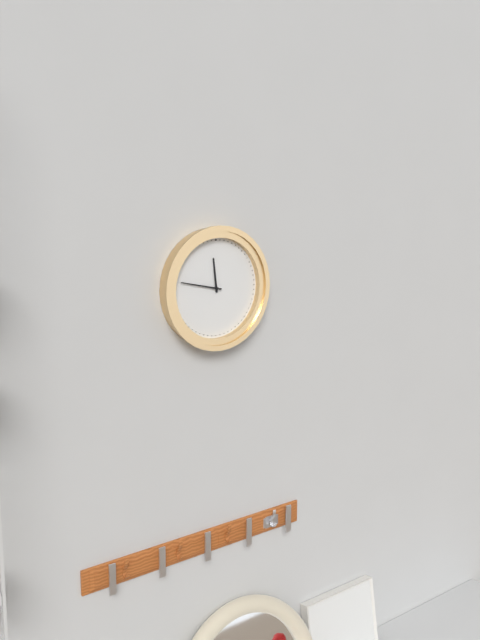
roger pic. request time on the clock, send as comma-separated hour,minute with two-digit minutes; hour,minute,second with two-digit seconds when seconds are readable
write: 11,47
